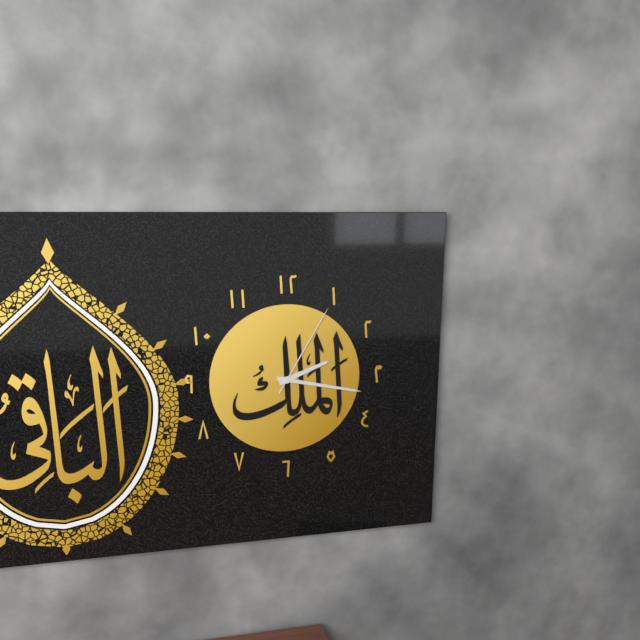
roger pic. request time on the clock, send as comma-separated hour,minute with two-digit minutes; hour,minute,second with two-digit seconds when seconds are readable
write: 2,17,05
